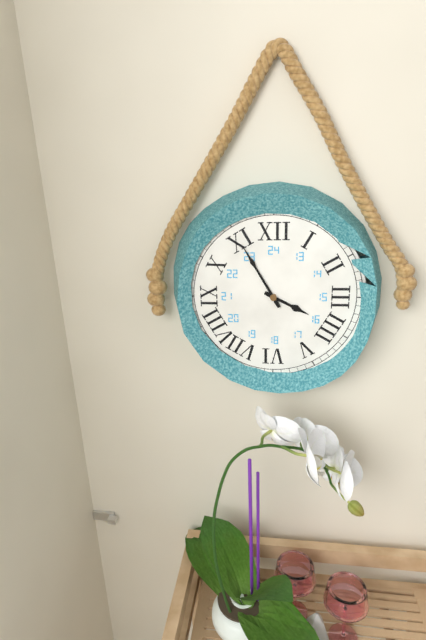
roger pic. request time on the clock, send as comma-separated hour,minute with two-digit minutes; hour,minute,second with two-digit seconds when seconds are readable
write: 3,55
